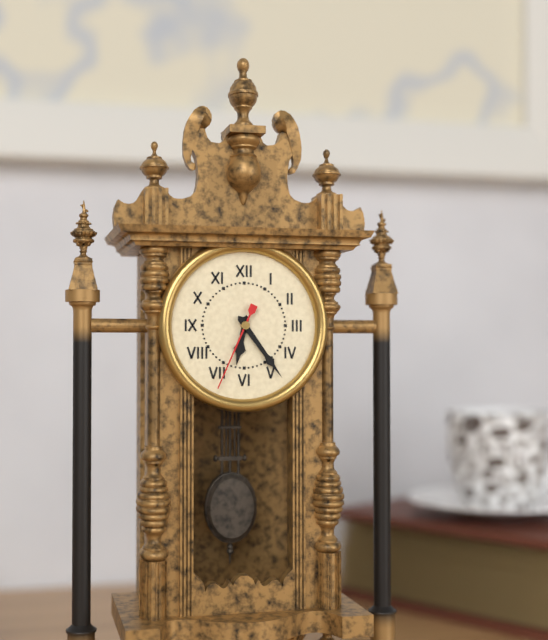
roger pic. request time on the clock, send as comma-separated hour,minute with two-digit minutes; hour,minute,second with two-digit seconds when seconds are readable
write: 6,24,34
